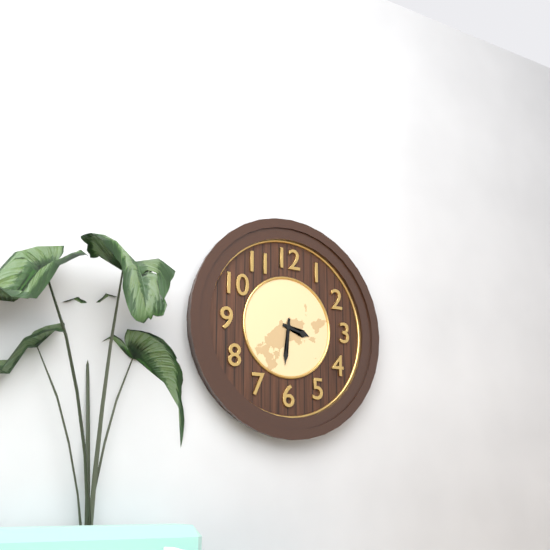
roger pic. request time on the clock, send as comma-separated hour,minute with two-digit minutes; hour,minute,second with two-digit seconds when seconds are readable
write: 3,31
